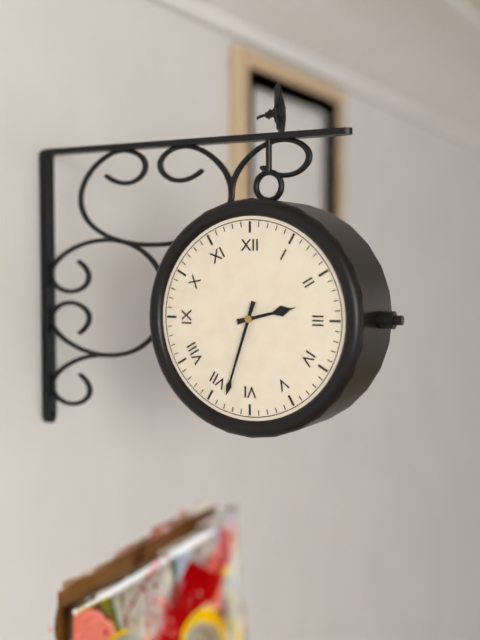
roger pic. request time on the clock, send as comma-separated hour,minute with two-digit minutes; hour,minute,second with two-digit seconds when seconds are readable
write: 2,33
